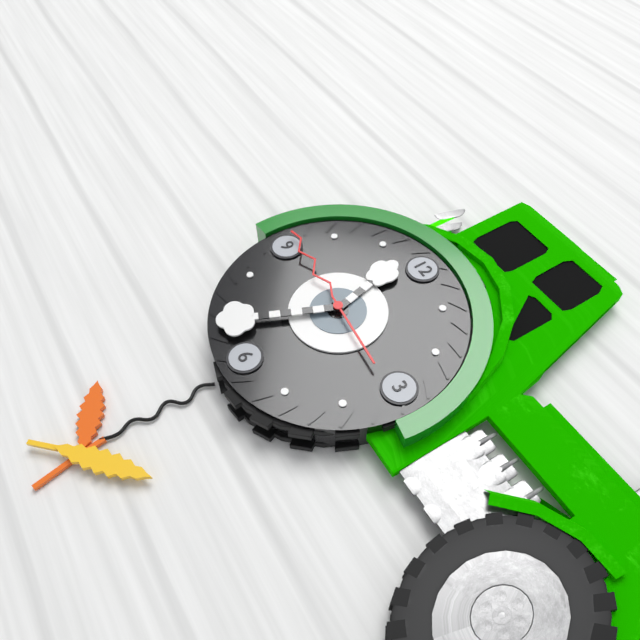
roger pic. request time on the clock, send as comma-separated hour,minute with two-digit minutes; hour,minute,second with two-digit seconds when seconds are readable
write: 11,34,46
